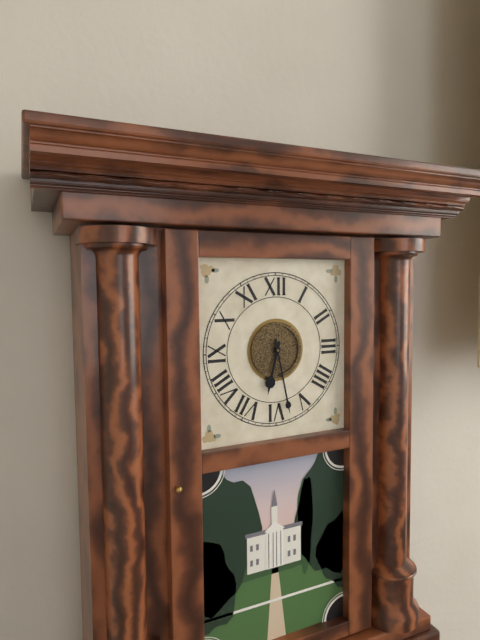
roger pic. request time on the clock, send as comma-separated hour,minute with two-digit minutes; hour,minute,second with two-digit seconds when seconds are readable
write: 6,28
